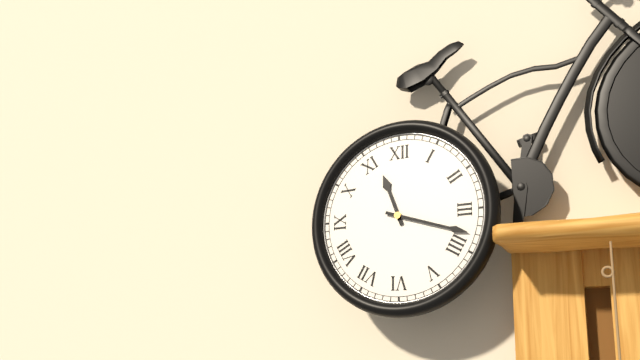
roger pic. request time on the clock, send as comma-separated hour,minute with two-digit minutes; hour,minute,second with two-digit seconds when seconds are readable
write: 11,18
